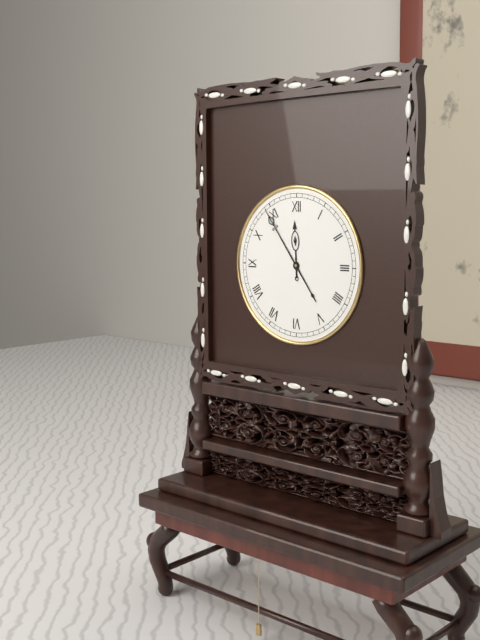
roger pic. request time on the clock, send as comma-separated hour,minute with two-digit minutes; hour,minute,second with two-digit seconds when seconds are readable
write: 11,54
